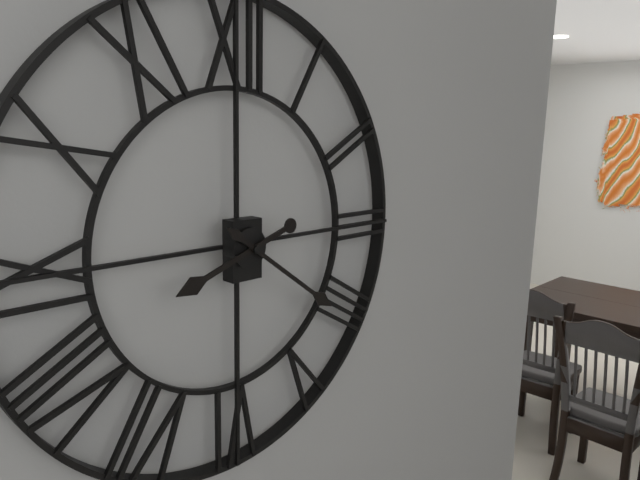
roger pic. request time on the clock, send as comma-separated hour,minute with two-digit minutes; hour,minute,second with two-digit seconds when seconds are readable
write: 8,21
